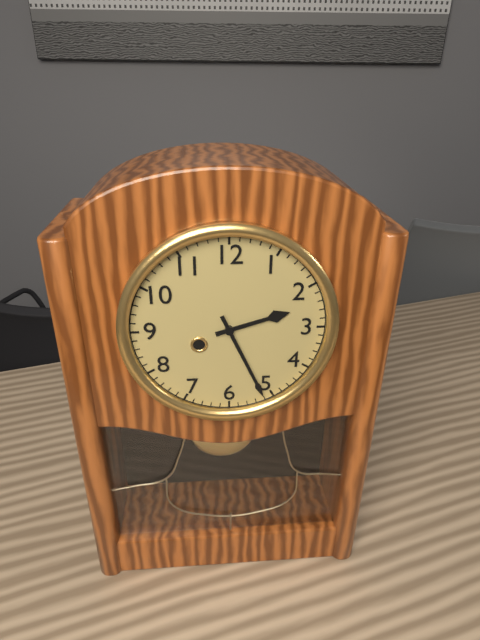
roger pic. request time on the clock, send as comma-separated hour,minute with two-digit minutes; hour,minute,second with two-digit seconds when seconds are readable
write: 2,26
